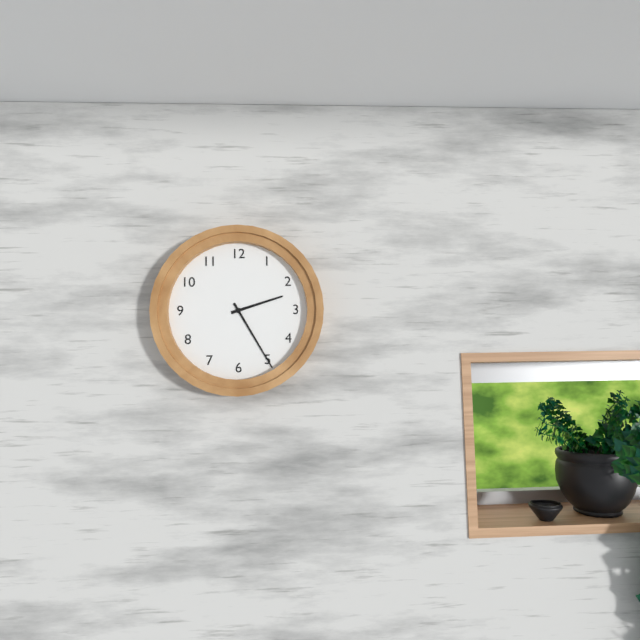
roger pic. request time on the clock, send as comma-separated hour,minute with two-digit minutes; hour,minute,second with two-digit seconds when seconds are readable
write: 2,25
